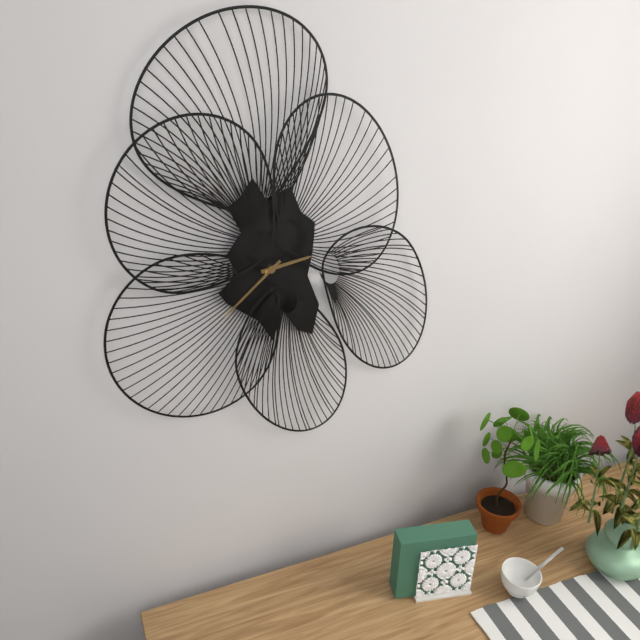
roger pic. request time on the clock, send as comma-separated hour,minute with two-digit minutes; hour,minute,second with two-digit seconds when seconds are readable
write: 2,38
